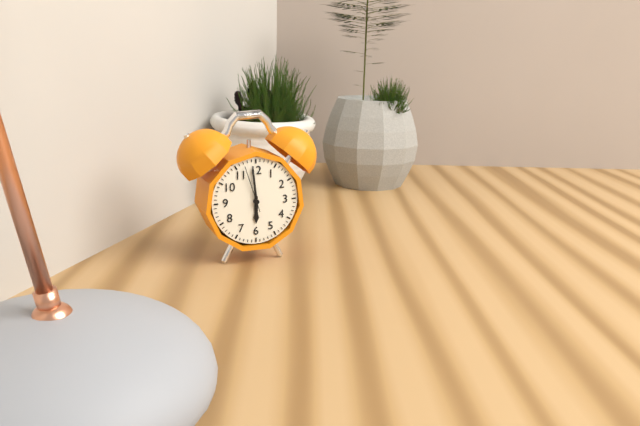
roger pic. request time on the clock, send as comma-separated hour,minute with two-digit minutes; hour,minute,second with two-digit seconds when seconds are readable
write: 5,59
